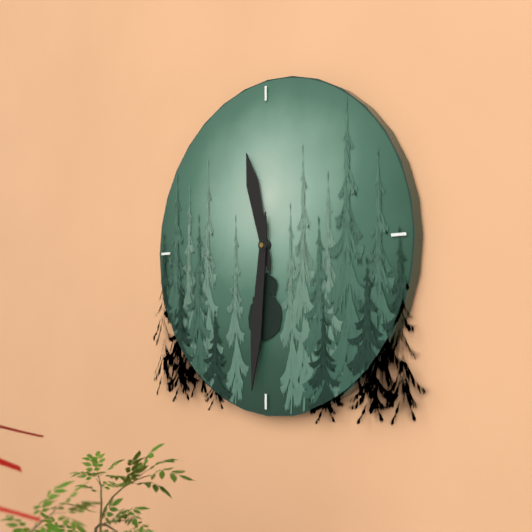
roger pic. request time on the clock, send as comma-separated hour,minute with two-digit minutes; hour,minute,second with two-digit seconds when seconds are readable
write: 11,31
